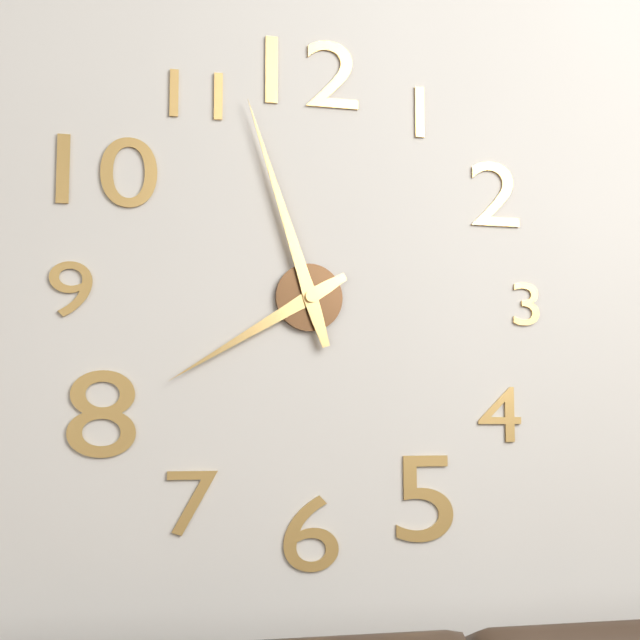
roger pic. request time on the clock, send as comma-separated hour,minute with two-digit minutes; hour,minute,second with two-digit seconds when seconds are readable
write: 7,57
